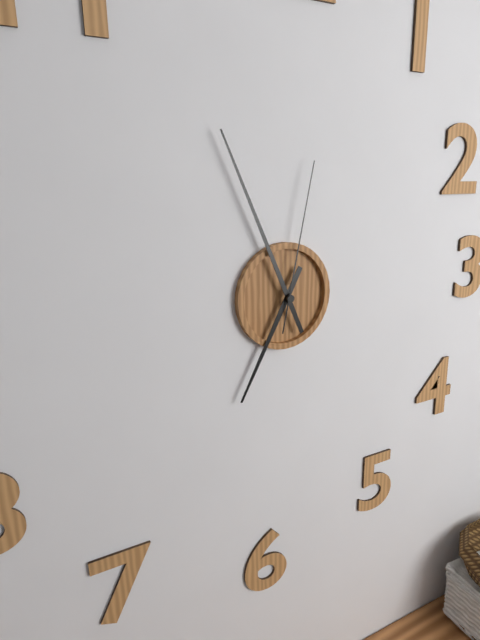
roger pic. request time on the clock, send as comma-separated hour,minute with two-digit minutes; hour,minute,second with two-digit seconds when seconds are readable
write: 6,56,02
